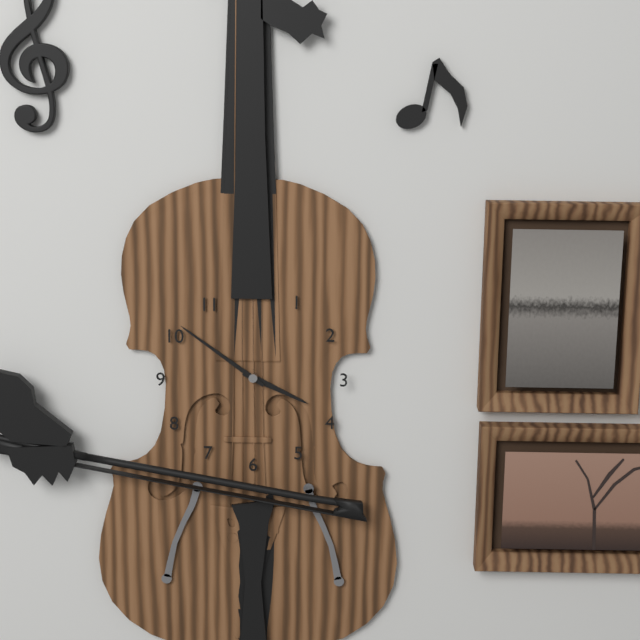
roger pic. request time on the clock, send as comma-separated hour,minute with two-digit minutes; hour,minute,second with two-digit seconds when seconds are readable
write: 3,51
